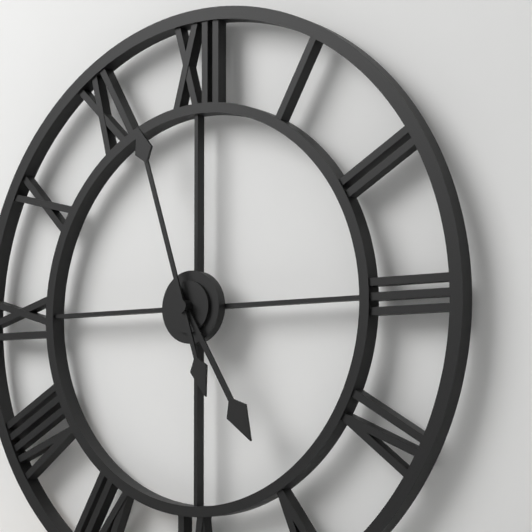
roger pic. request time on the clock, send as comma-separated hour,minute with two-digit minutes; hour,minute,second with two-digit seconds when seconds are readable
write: 4,57
